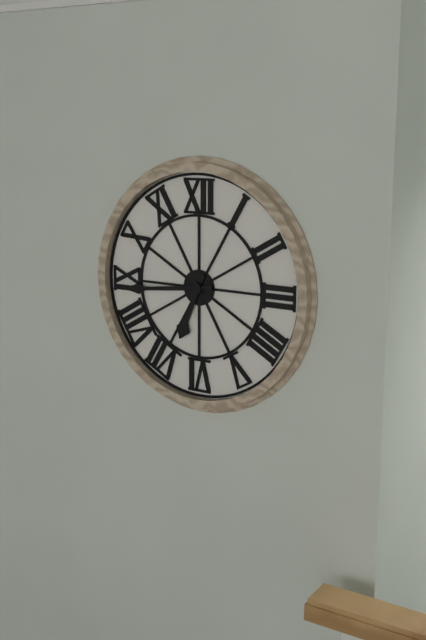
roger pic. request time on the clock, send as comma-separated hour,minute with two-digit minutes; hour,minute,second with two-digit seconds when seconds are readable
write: 6,44
